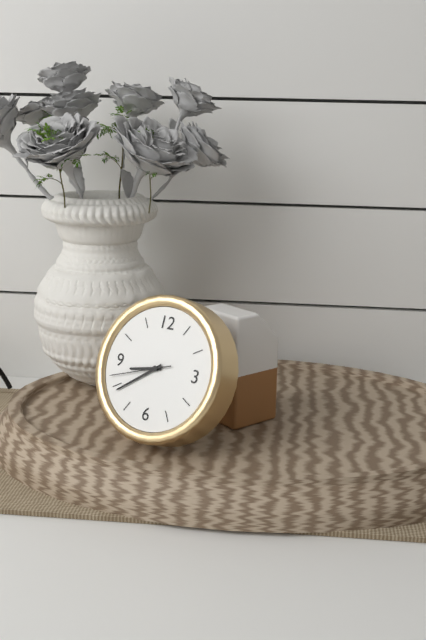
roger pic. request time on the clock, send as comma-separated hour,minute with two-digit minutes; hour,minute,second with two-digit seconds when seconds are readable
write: 8,39,42
